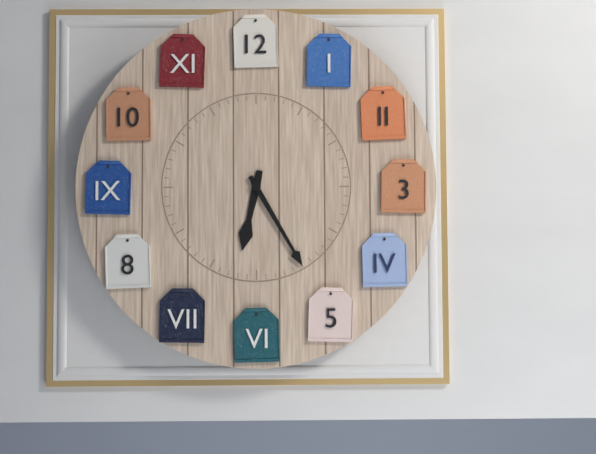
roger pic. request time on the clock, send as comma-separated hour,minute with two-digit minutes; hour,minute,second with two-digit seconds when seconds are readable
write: 6,25
